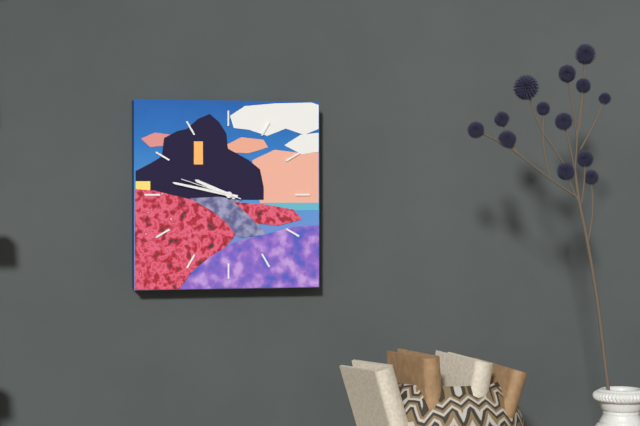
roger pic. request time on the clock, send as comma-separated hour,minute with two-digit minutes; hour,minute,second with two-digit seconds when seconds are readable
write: 9,47,48
